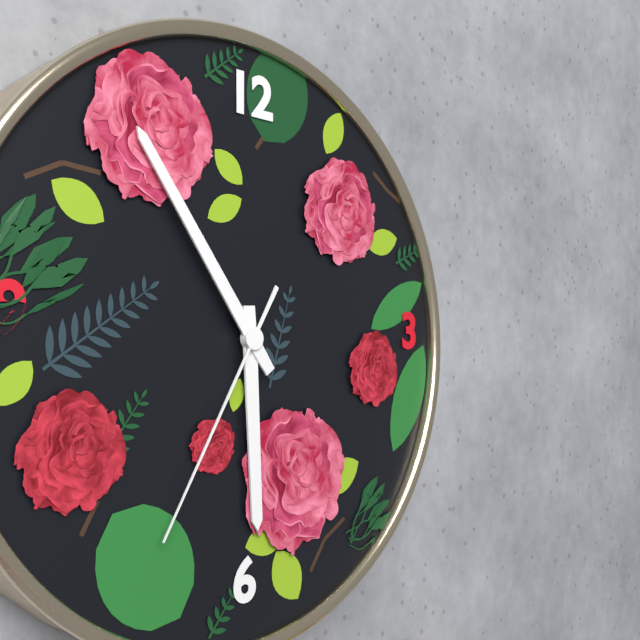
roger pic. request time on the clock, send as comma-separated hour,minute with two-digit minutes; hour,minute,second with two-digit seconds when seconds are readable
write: 5,54,35
